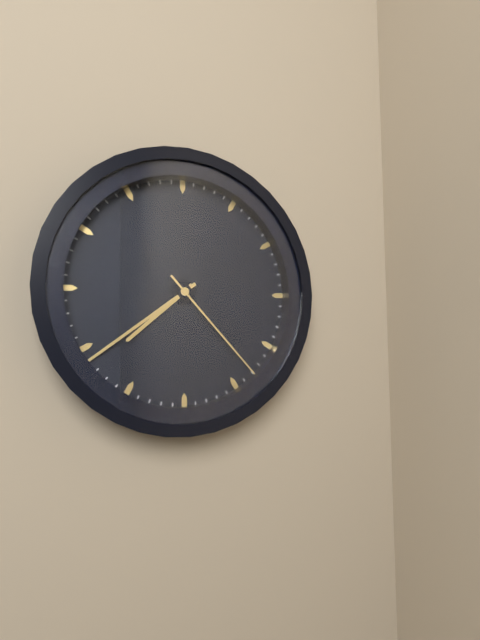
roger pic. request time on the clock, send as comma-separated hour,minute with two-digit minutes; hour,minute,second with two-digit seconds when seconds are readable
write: 7,39,23
